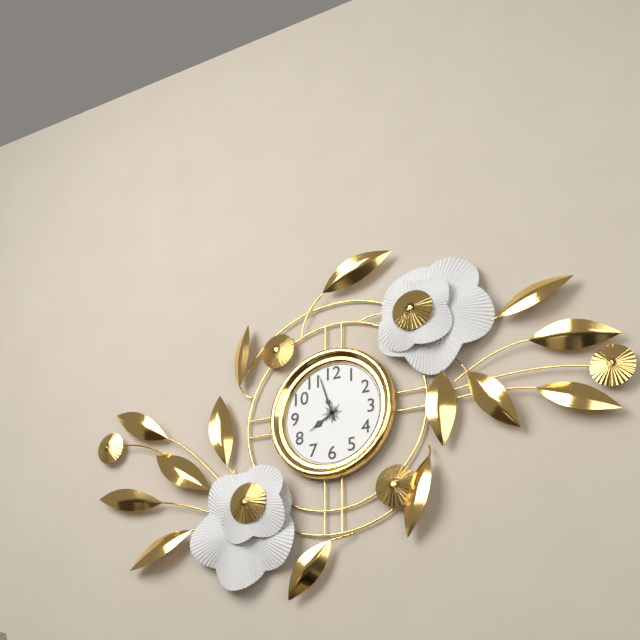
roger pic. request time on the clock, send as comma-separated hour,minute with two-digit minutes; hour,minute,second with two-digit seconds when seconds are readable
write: 7,57
